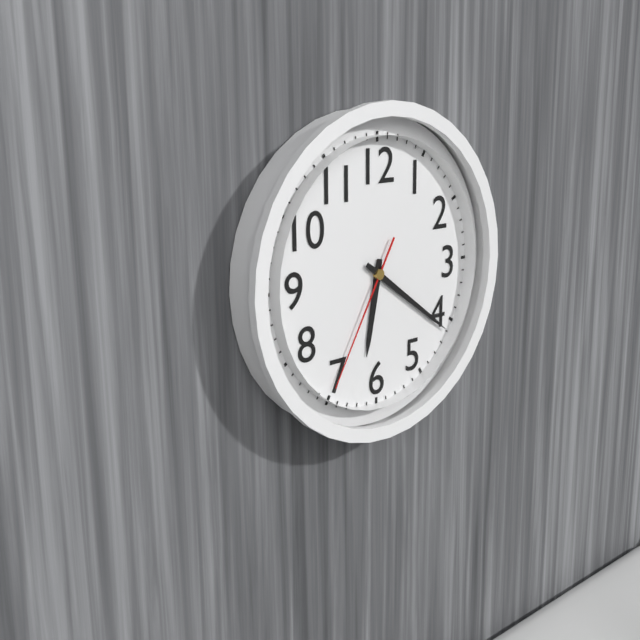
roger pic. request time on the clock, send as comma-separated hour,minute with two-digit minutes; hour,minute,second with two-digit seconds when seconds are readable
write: 6,21,35
